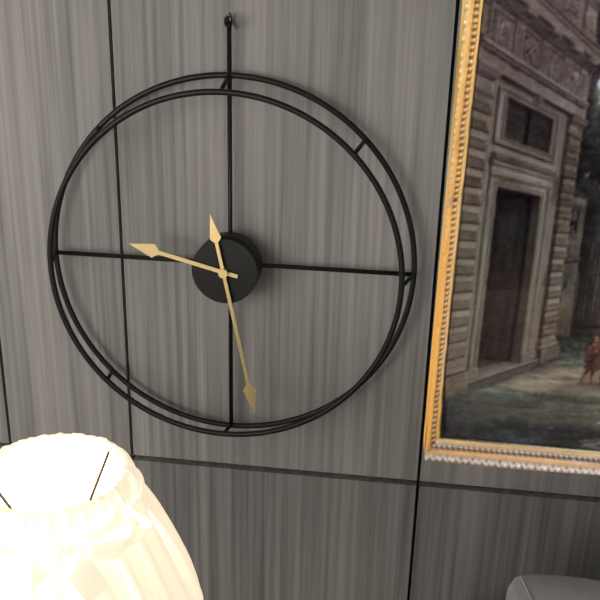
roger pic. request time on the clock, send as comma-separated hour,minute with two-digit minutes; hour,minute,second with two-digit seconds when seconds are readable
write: 9,28
